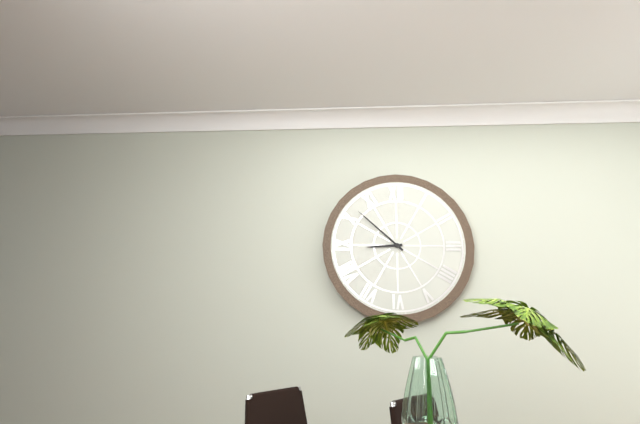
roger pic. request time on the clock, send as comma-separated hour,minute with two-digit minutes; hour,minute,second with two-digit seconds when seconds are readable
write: 8,52
